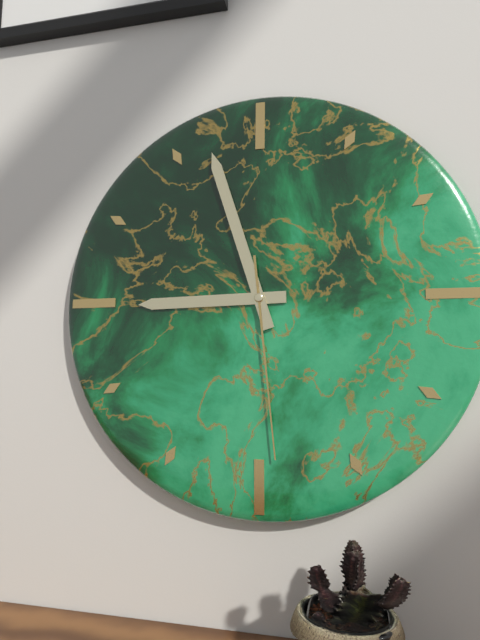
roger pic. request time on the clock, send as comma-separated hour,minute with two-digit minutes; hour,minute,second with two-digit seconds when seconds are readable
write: 8,57,29
